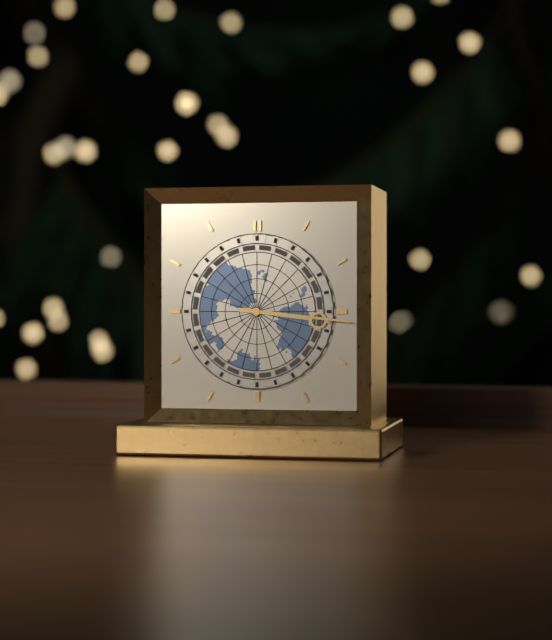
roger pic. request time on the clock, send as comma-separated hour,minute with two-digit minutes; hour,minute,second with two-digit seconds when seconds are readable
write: 3,16
